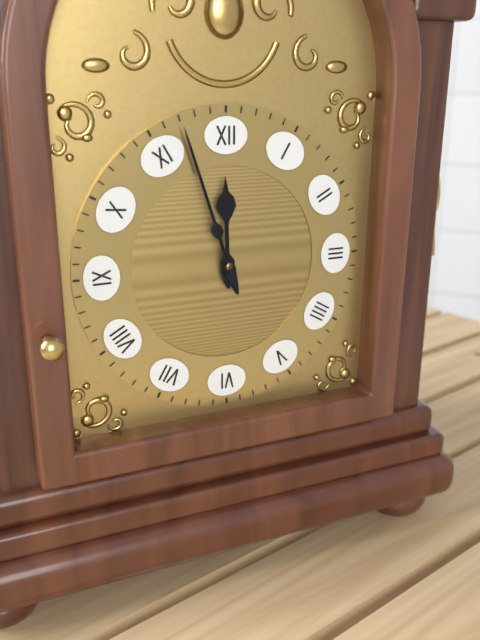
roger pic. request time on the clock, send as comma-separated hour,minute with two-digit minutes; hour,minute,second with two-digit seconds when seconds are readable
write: 11,57
